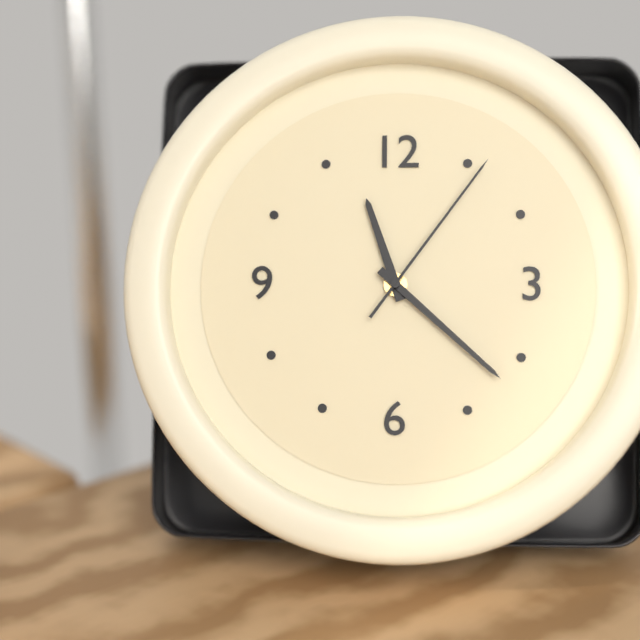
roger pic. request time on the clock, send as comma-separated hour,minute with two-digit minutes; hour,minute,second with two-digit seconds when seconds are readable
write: 11,22,06
